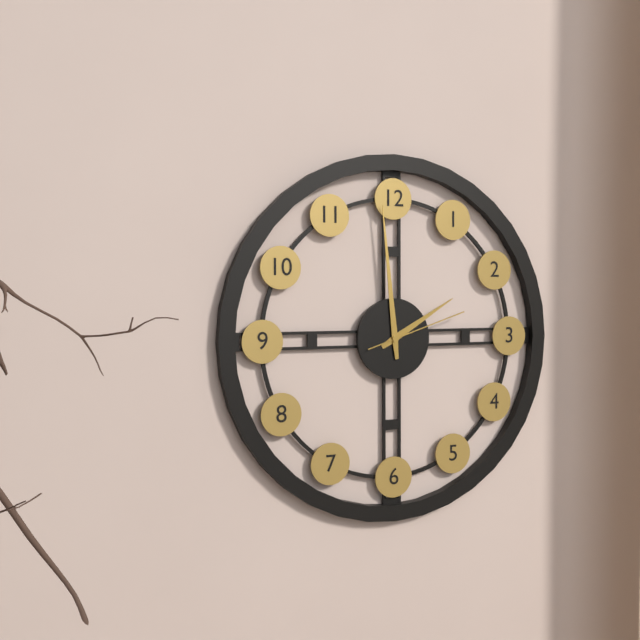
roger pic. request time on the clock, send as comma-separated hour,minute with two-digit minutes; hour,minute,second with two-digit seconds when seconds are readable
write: 1,59,12
